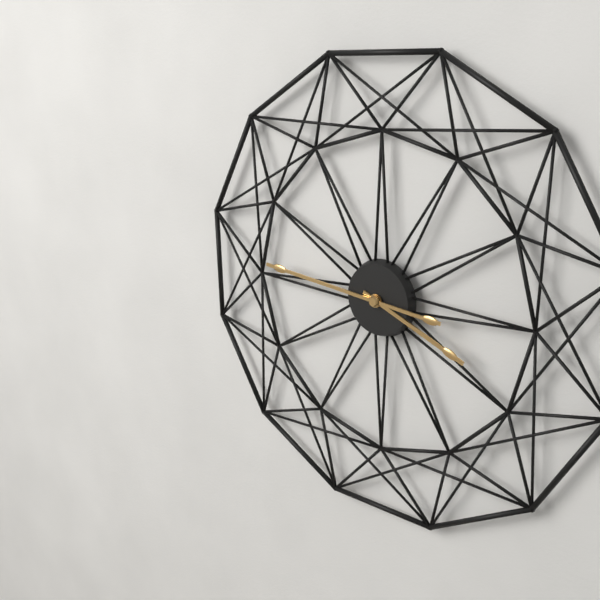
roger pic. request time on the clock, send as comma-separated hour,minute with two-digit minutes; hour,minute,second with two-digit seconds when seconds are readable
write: 3,46
